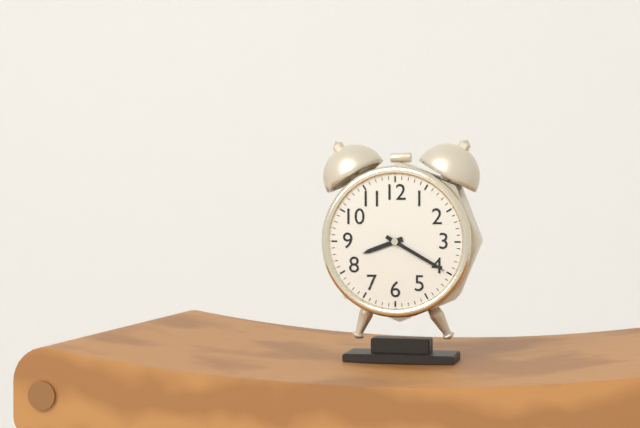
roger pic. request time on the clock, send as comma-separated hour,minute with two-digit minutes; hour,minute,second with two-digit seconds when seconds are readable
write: 8,20
